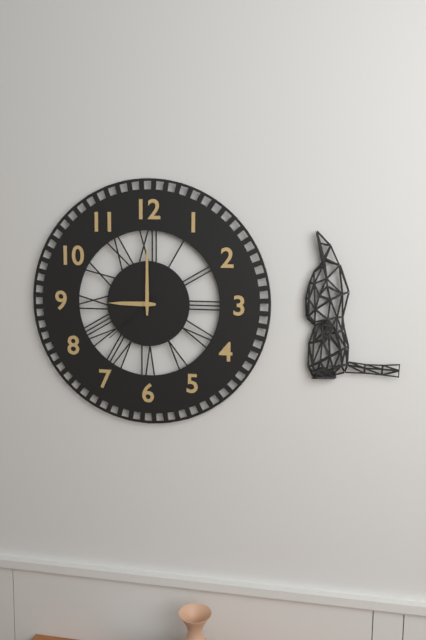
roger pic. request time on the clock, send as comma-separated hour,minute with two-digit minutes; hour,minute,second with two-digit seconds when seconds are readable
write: 9,00,38
